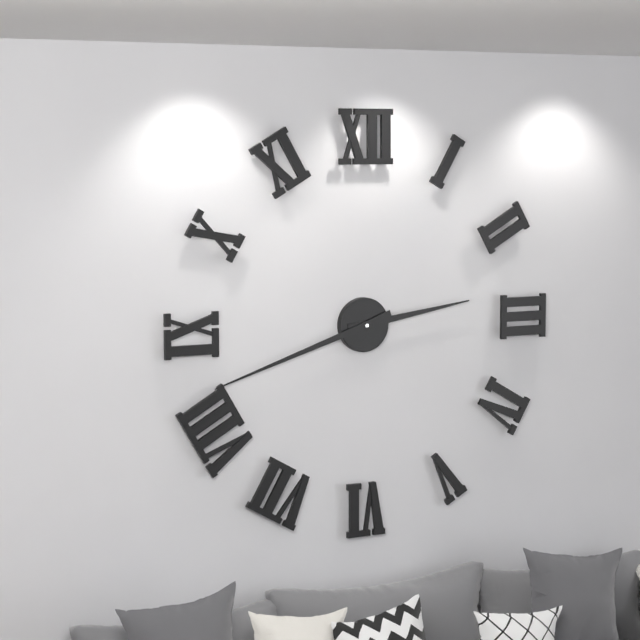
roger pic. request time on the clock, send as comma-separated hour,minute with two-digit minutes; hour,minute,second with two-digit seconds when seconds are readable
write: 2,42
